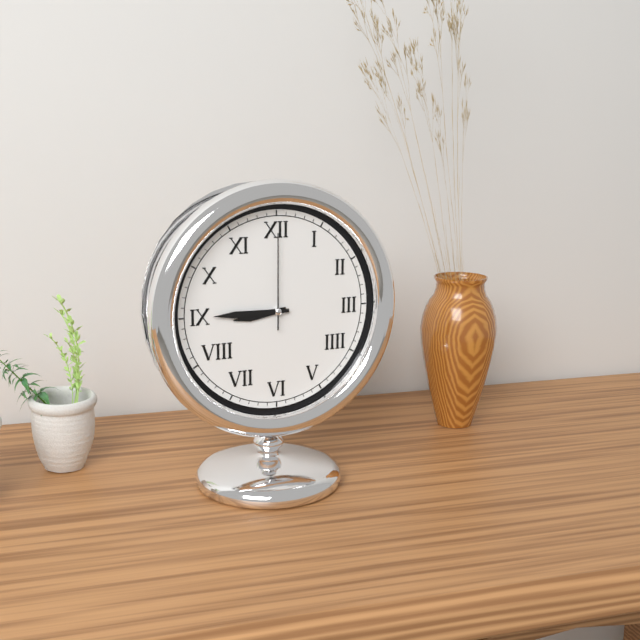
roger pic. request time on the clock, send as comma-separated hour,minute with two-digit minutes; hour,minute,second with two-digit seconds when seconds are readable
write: 8,45,00
